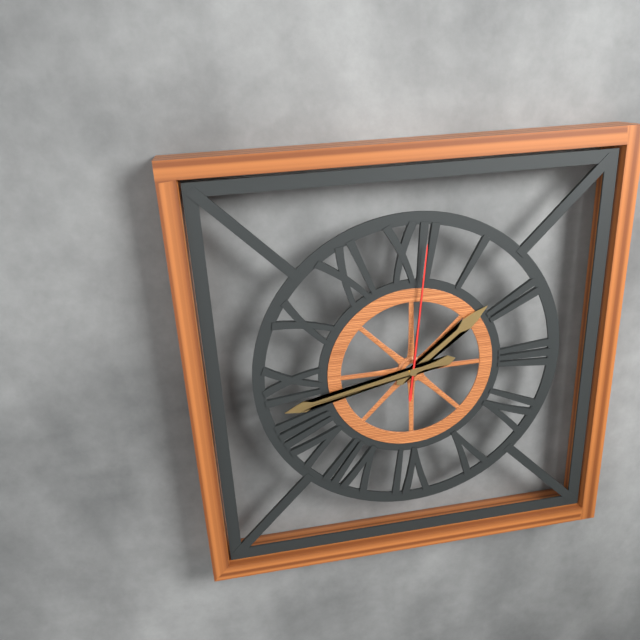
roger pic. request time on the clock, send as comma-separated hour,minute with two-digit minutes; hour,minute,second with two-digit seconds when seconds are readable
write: 1,43,01
